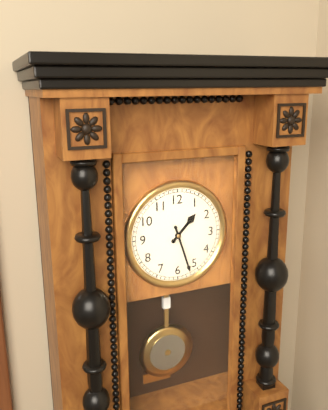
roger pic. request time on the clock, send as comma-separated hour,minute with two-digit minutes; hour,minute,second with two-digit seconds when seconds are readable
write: 1,27
